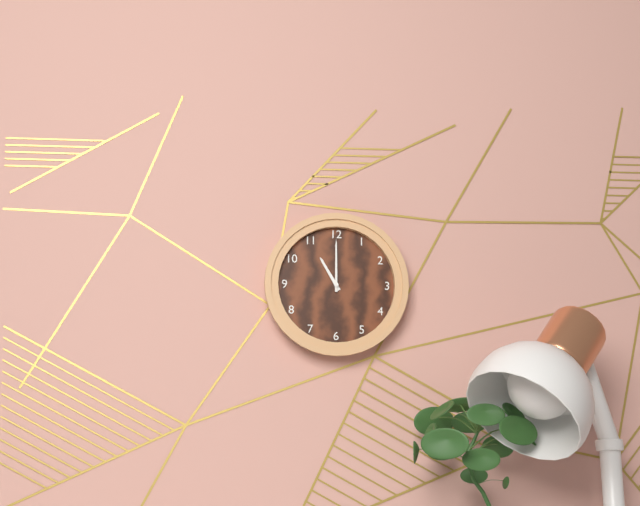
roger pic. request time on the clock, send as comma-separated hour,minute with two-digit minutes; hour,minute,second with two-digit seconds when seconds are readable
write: 11,00
